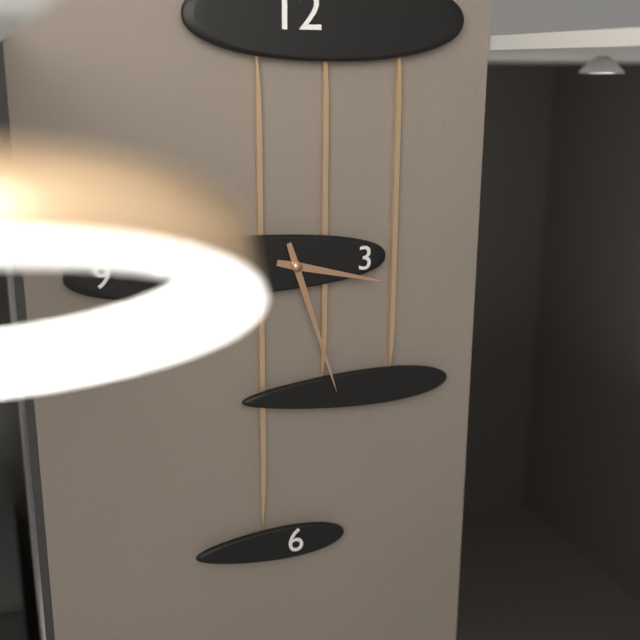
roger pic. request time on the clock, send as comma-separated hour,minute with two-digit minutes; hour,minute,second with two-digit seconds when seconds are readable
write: 3,27
